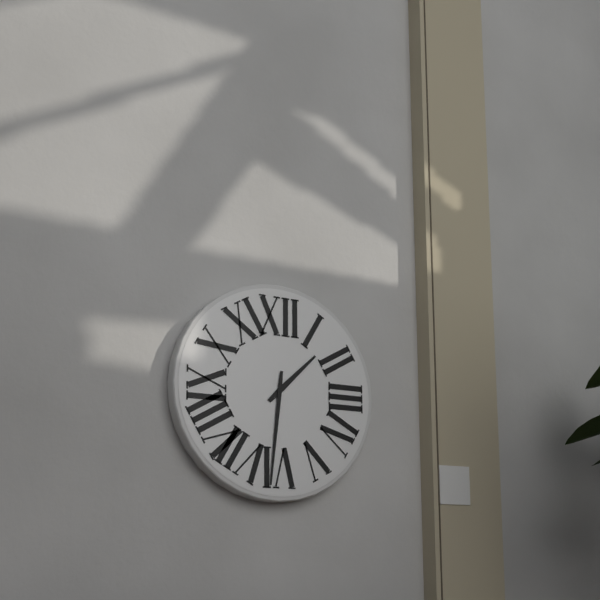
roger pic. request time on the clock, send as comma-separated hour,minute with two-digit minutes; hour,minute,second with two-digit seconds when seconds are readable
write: 1,31
